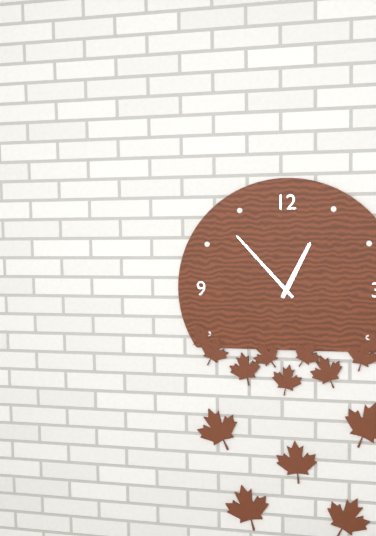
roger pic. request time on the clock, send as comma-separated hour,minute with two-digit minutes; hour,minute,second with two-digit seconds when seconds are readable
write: 12,53
